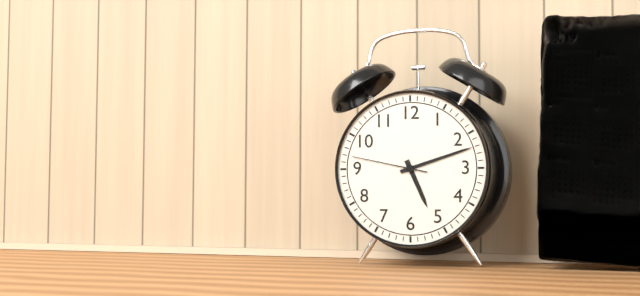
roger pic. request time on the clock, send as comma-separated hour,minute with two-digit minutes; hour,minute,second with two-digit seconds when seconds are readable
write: 5,12,47
